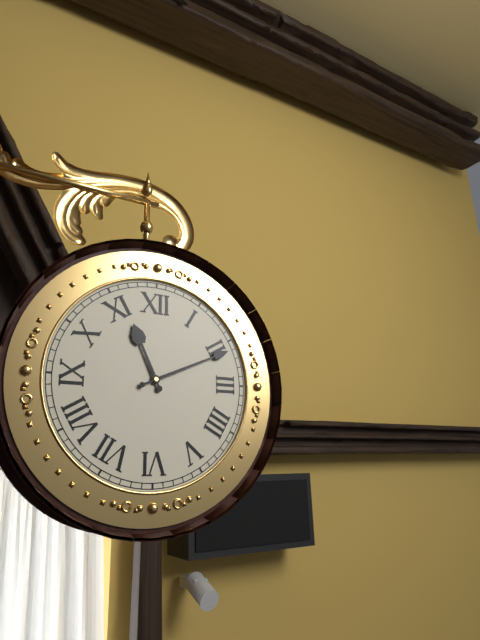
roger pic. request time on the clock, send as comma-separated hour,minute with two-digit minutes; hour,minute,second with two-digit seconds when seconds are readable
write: 11,11
